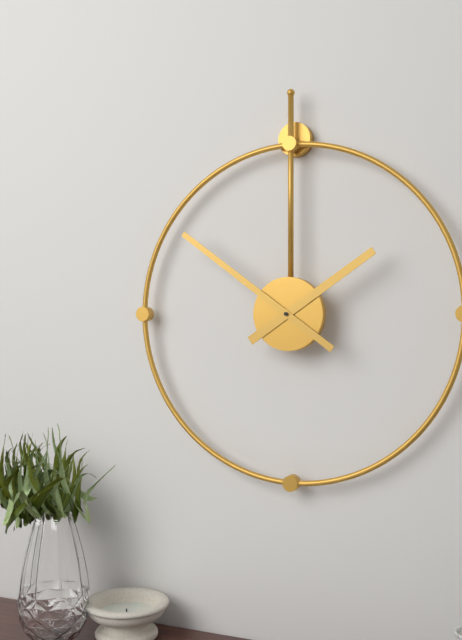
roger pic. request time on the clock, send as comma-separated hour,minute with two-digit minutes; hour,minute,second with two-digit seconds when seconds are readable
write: 1,51
